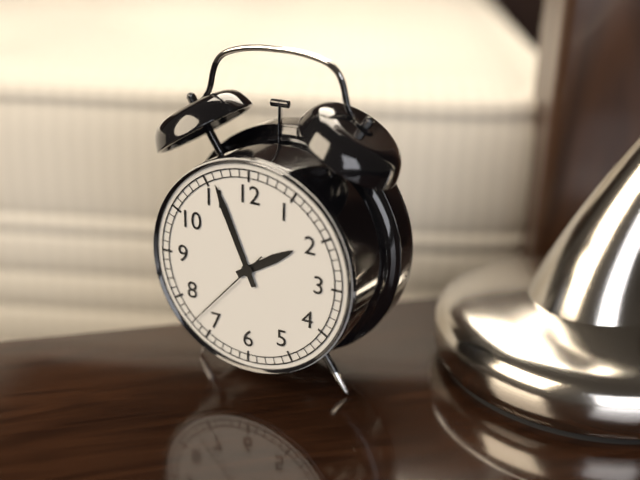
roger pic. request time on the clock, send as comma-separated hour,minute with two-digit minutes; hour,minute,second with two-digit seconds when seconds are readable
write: 1,56,37
